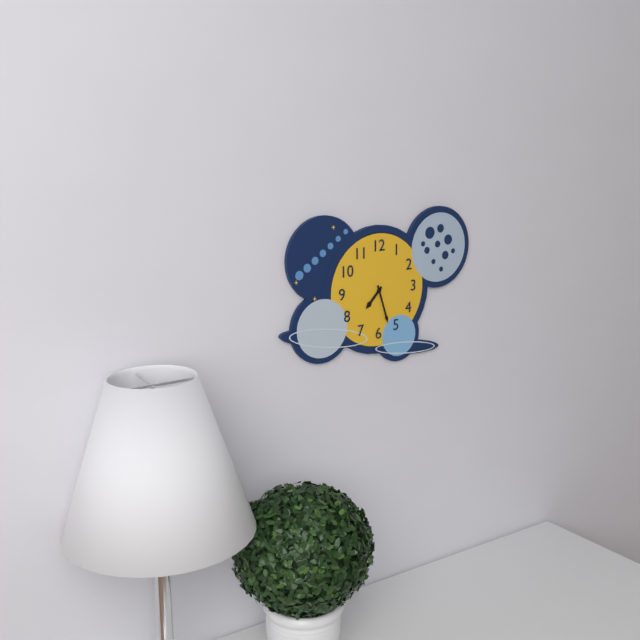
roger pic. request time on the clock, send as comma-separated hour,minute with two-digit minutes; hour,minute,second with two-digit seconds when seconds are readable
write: 7,27
